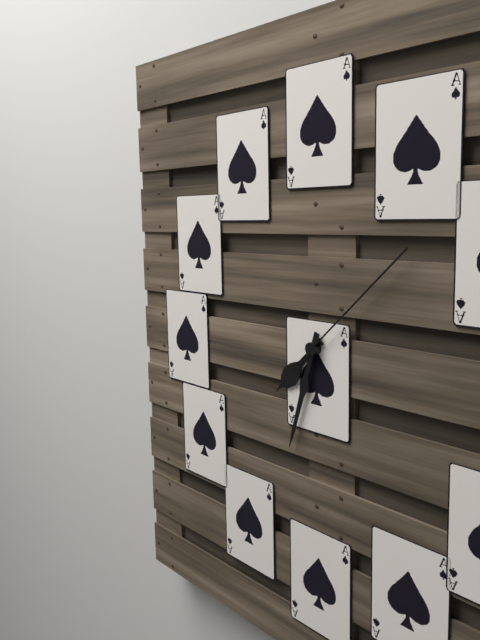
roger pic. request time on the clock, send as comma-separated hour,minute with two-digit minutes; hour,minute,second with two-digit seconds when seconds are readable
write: 7,33,08
